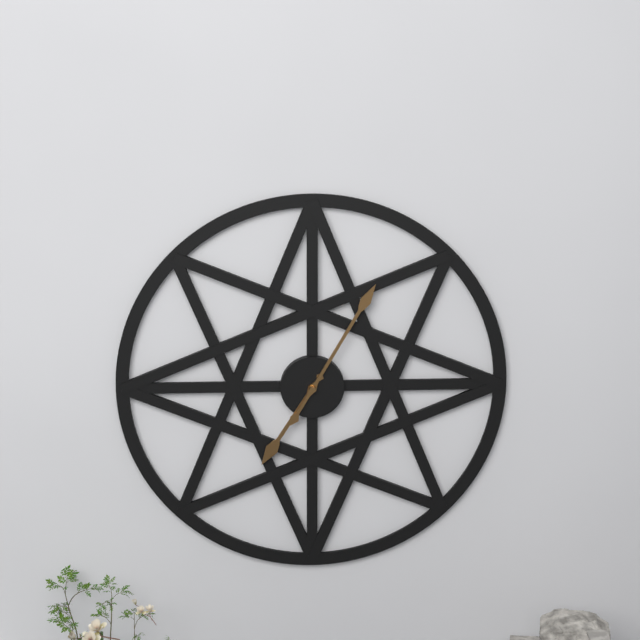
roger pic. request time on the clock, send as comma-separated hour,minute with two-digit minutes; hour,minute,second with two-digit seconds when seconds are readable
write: 7,05
